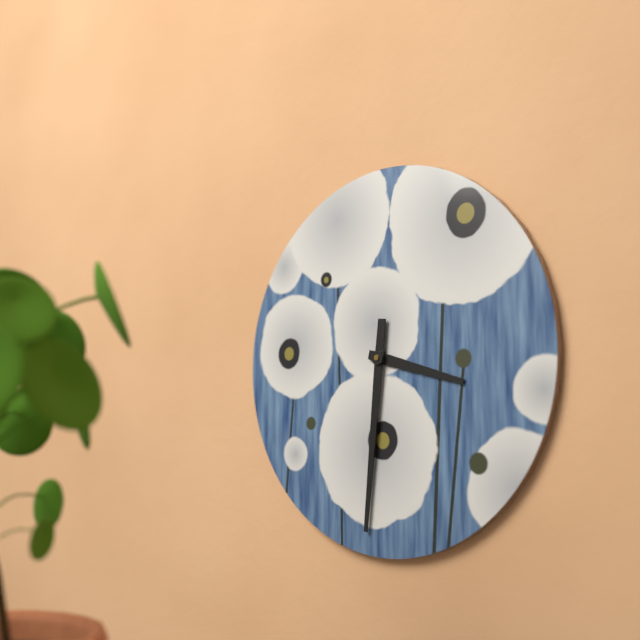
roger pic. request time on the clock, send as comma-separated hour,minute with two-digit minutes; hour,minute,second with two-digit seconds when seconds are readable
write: 3,31
